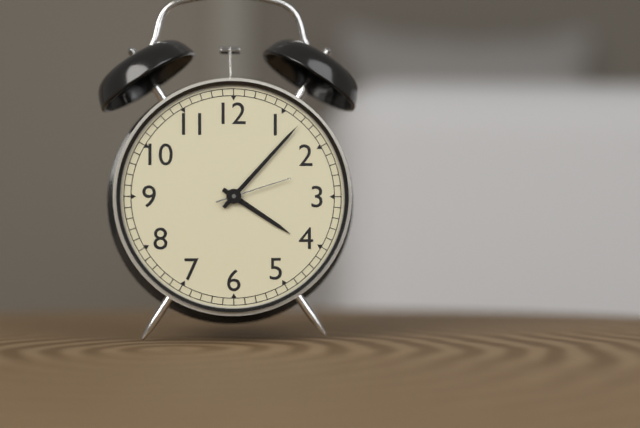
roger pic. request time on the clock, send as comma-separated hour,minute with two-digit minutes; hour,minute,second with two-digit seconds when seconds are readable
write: 4,07,12
